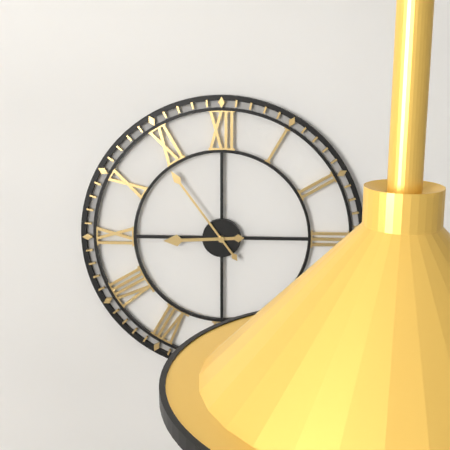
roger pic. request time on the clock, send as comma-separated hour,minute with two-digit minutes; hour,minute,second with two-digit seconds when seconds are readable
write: 8,54
